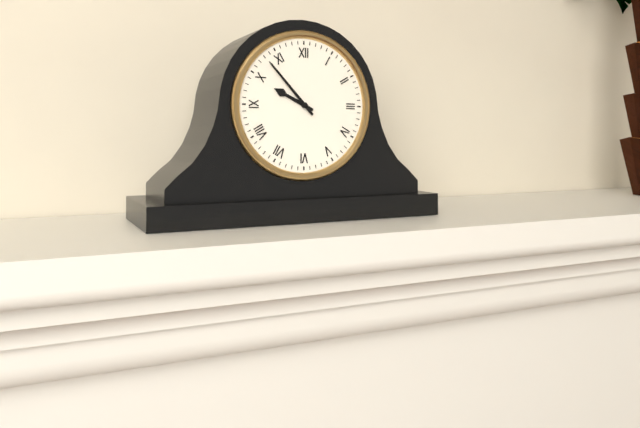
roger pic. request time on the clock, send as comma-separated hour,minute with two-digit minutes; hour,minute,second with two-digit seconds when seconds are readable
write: 9,53
